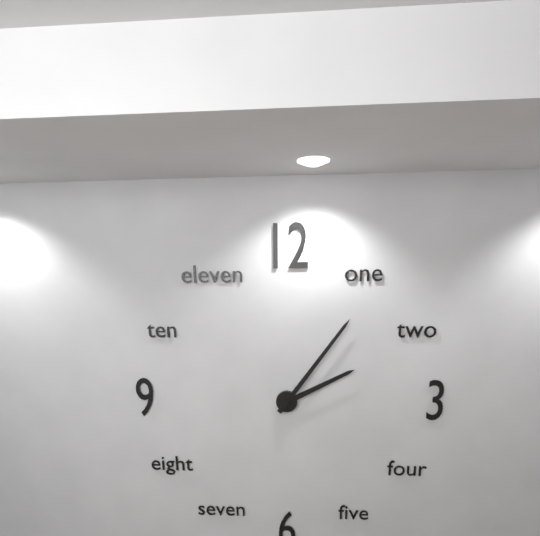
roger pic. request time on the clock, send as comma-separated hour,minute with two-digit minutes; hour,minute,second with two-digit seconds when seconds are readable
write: 2,06
